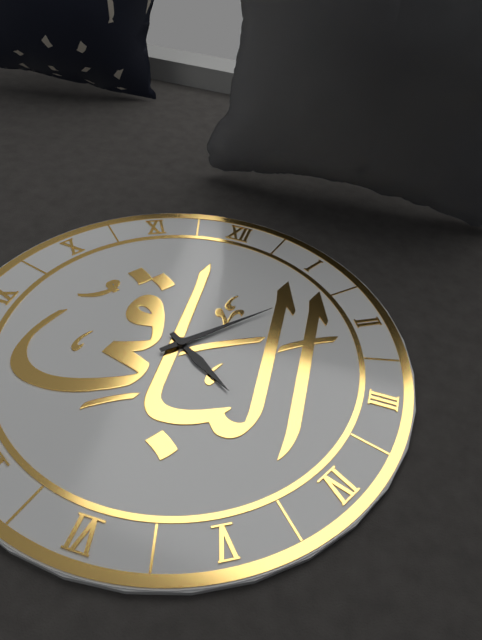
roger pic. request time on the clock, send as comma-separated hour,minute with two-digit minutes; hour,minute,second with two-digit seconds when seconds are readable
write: 4,07
